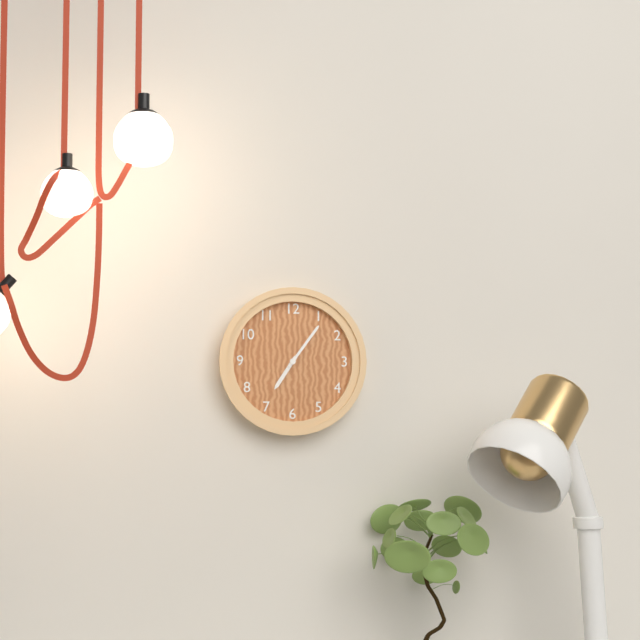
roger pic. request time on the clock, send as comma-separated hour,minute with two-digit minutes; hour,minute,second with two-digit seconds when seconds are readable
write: 7,06
